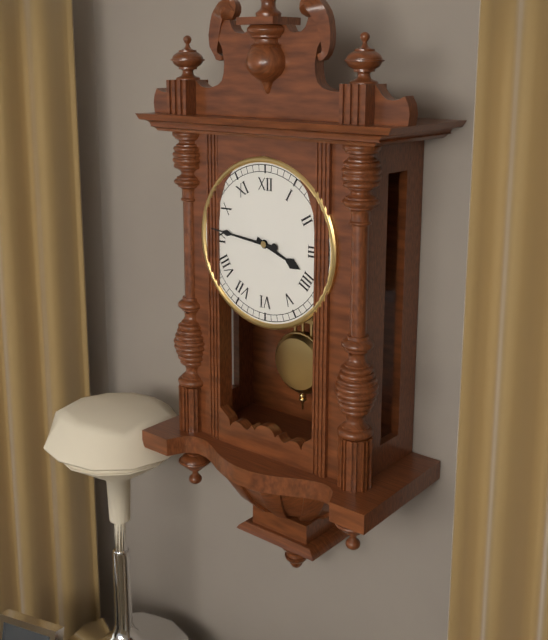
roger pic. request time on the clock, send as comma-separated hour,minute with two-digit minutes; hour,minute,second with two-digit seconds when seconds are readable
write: 3,46
